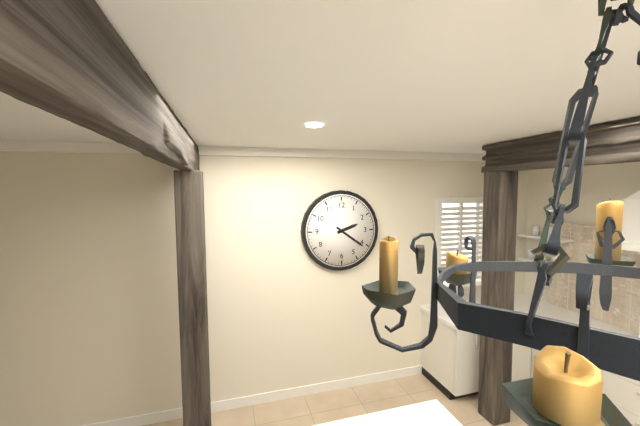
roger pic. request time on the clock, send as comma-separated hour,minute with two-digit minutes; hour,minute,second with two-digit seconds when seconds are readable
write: 2,21
